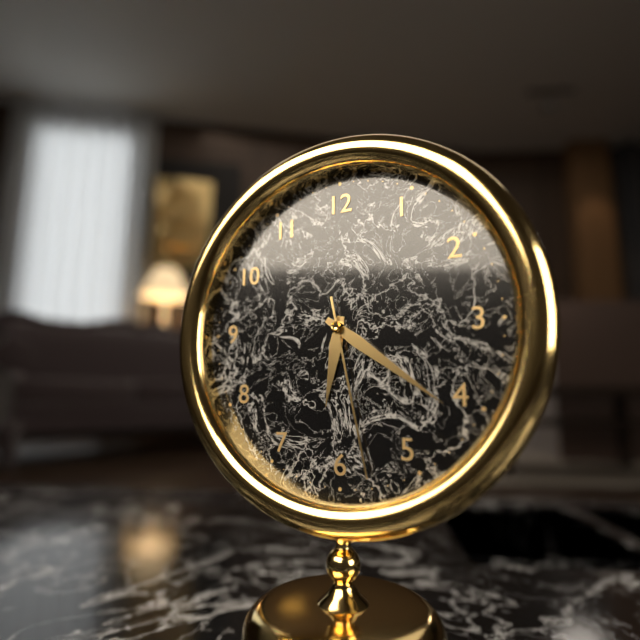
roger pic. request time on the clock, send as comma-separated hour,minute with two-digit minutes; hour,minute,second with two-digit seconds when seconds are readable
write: 6,21,28
